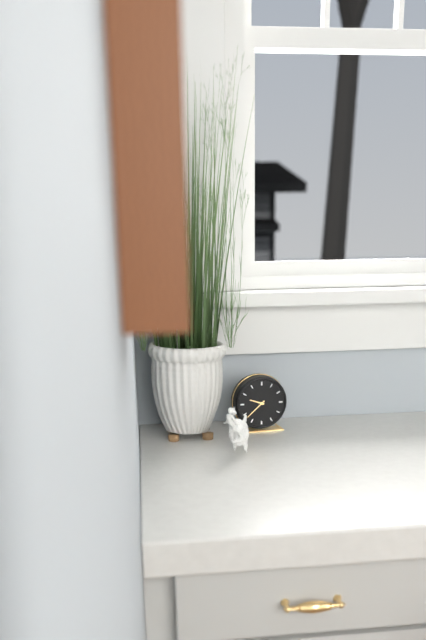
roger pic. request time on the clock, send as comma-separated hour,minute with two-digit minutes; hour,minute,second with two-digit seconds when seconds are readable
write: 9,38
